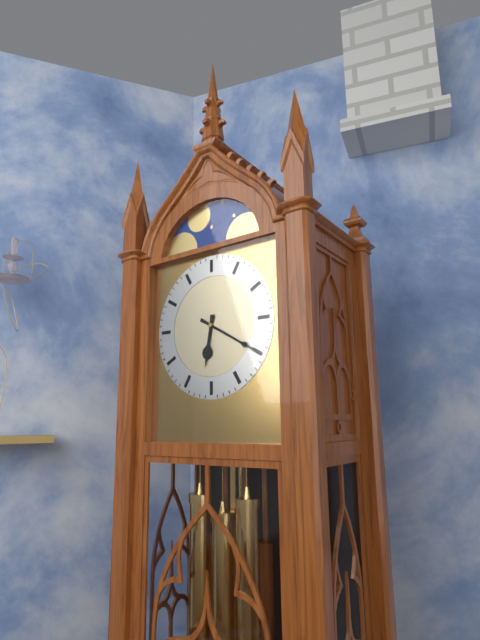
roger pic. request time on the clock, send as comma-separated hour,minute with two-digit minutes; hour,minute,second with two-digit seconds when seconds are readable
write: 6,20
